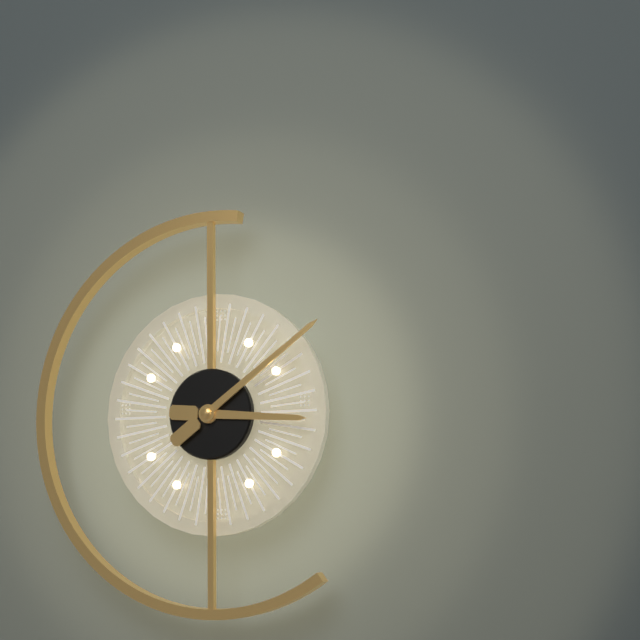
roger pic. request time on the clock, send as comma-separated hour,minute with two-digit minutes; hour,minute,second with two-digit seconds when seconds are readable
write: 3,09
